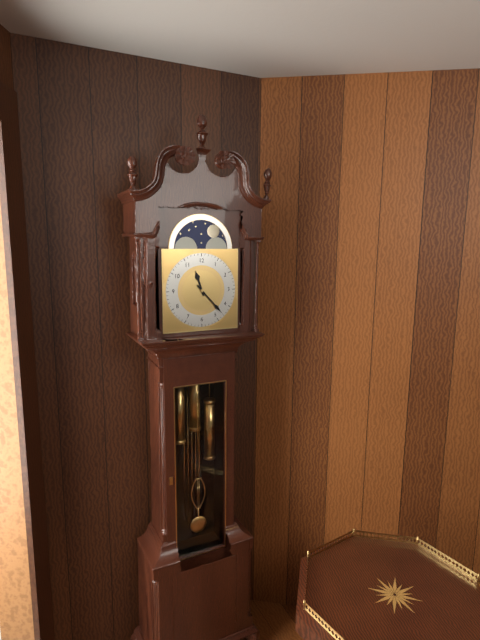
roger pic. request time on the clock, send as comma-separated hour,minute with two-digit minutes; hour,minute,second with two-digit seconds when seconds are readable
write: 11,23
